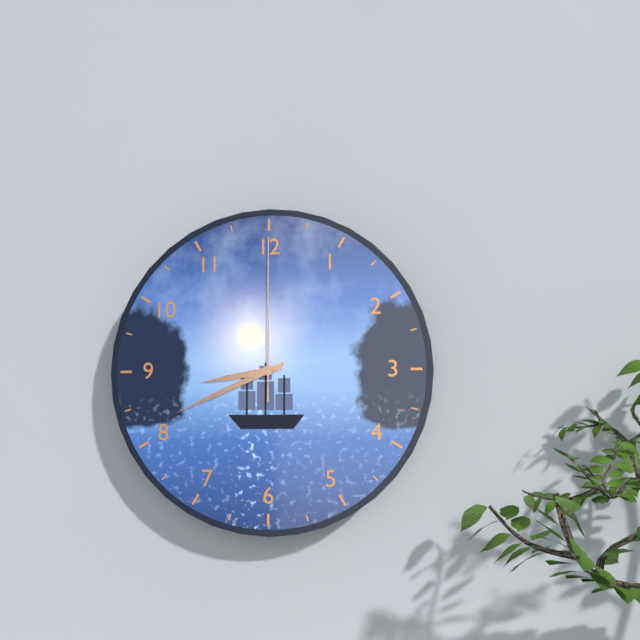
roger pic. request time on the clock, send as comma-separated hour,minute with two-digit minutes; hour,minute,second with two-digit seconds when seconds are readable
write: 8,41,00
